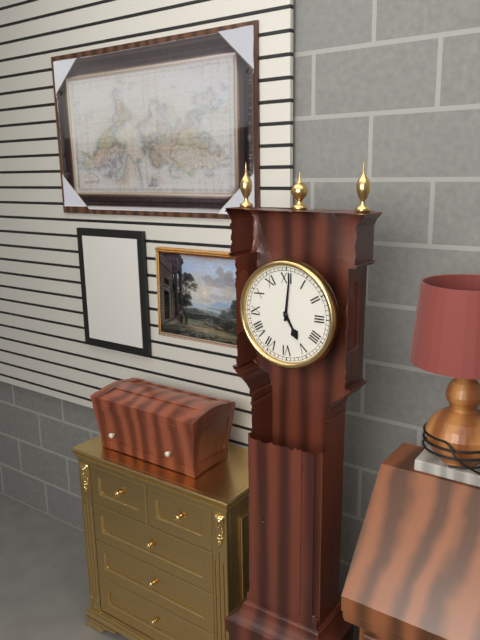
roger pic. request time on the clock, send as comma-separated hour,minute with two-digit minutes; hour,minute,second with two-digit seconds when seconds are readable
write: 5,01
